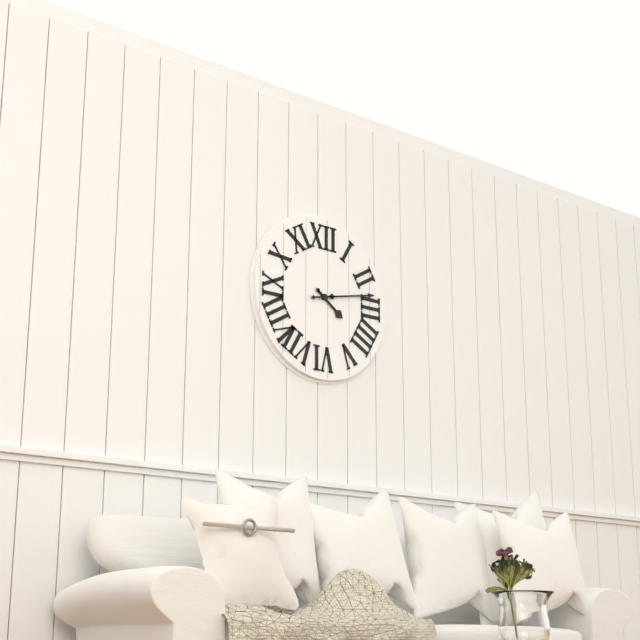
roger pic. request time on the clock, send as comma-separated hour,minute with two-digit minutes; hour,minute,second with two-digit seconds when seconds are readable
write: 4,13
